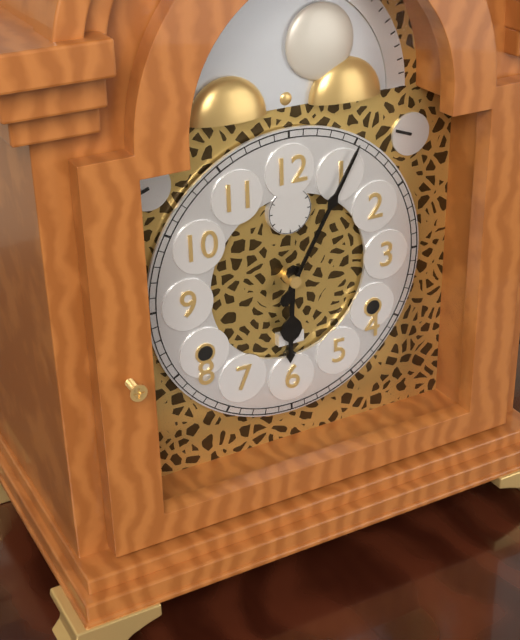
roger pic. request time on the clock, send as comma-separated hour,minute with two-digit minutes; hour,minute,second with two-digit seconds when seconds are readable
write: 6,05
